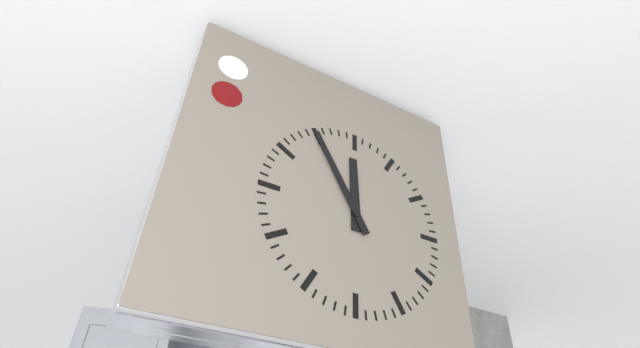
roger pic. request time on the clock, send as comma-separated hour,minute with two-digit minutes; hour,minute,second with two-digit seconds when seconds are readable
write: 11,55
